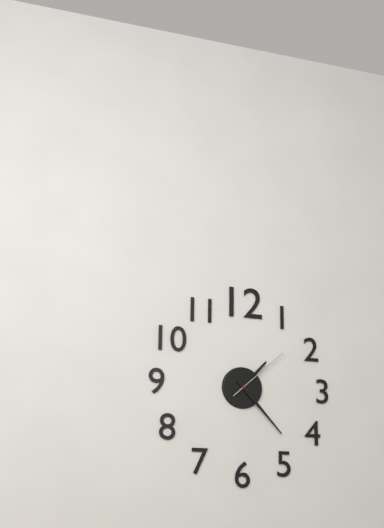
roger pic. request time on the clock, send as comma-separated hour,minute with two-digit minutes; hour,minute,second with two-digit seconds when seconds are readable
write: 1,23,08
